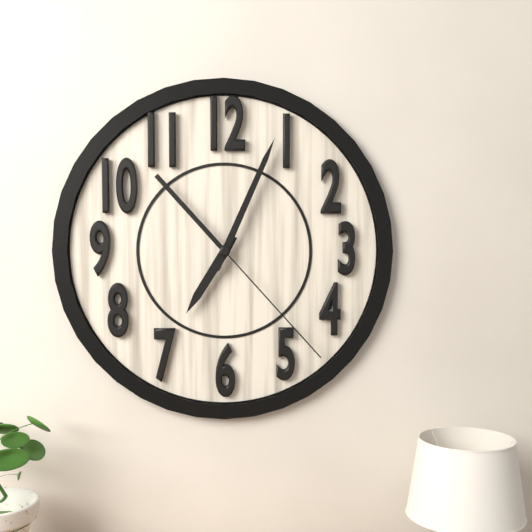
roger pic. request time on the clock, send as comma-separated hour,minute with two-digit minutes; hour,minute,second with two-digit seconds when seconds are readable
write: 7,04,23
